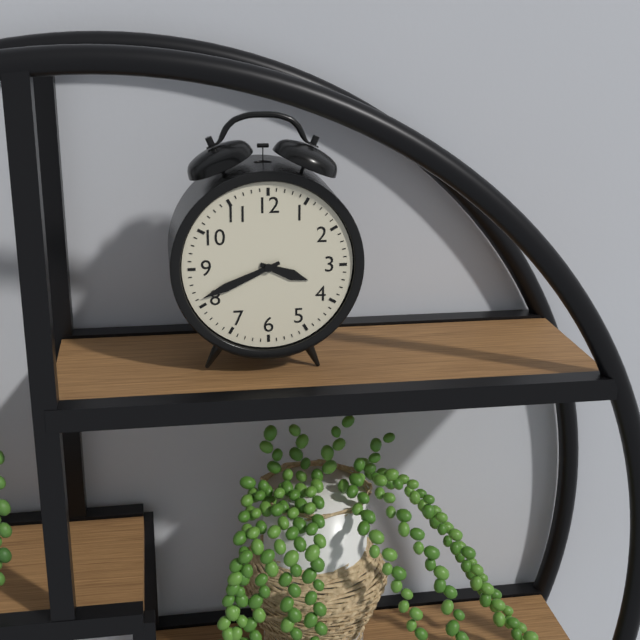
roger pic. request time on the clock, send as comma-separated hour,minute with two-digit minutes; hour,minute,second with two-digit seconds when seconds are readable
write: 3,41
